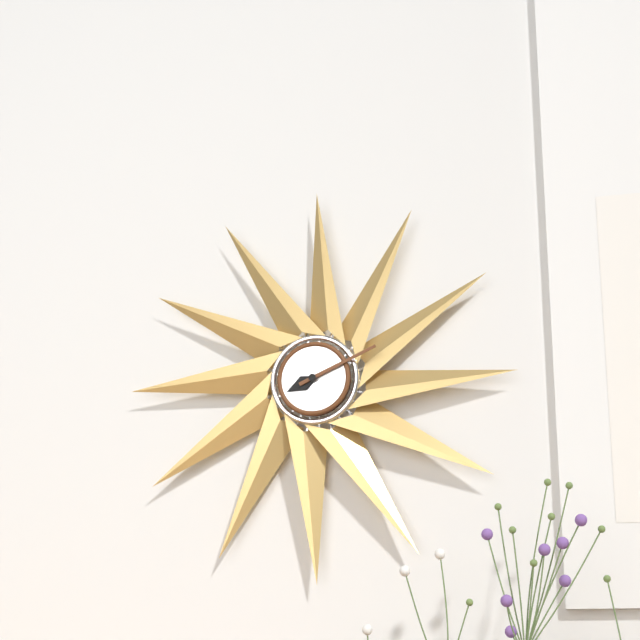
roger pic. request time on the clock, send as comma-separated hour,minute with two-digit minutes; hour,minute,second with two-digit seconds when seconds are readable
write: 8,11
